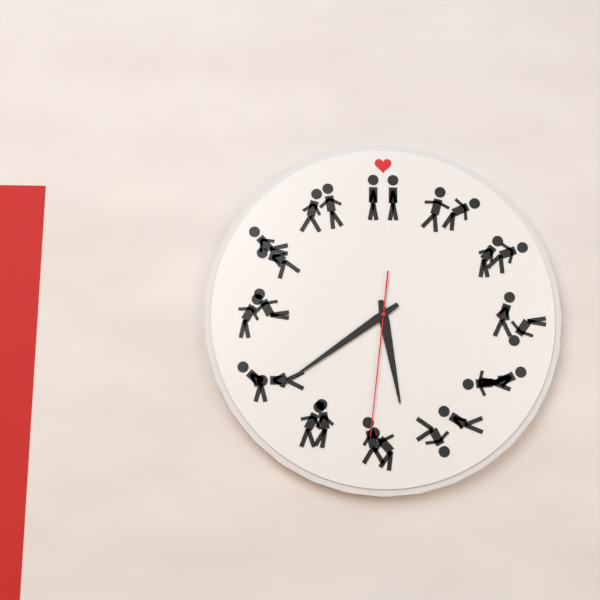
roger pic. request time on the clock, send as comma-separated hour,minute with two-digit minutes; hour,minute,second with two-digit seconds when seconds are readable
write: 5,39,31
